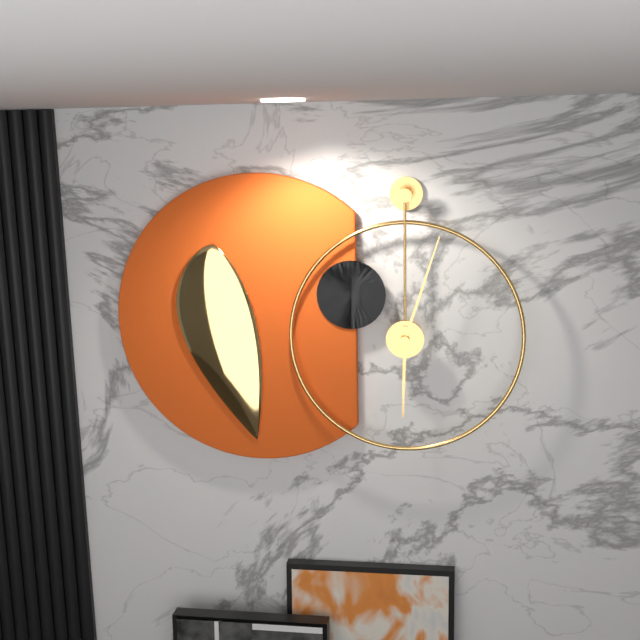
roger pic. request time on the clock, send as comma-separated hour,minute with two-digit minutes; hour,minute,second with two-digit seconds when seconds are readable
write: 6,03
